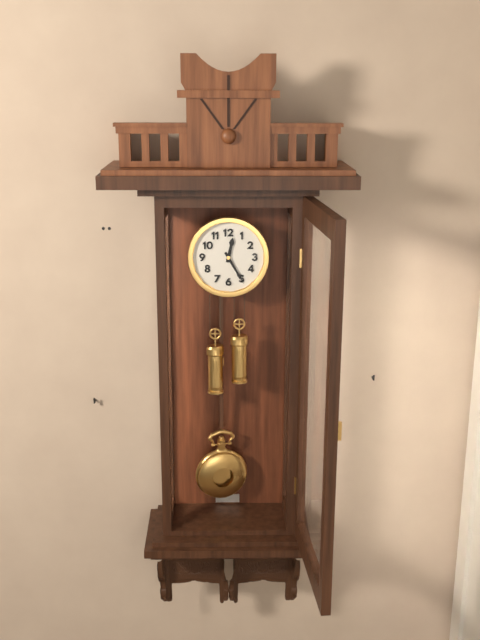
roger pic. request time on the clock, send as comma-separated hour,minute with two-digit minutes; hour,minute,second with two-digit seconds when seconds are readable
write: 12,25
